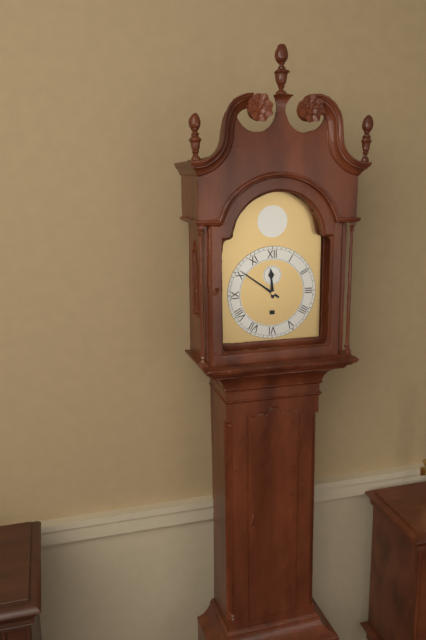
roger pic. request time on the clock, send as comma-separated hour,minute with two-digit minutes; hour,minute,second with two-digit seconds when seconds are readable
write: 11,51
